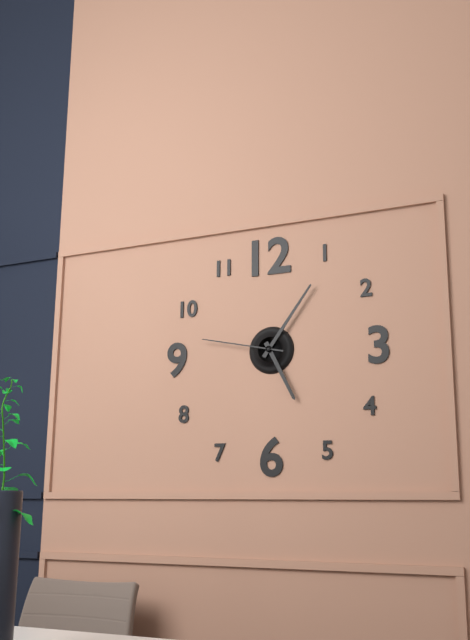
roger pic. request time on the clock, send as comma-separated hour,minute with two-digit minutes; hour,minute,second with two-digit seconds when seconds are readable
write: 5,06,47
